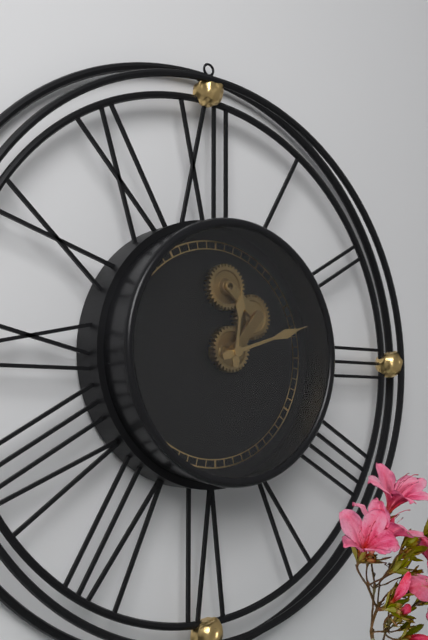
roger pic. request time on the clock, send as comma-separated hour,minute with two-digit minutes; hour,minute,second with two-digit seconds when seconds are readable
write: 12,12
